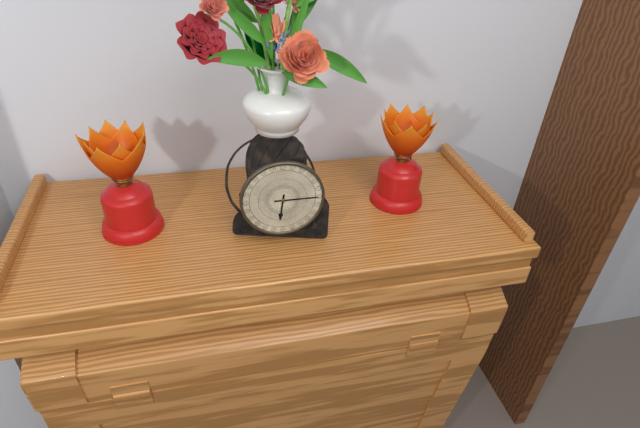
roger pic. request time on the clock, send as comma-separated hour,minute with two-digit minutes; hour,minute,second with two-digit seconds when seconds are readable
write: 6,15
